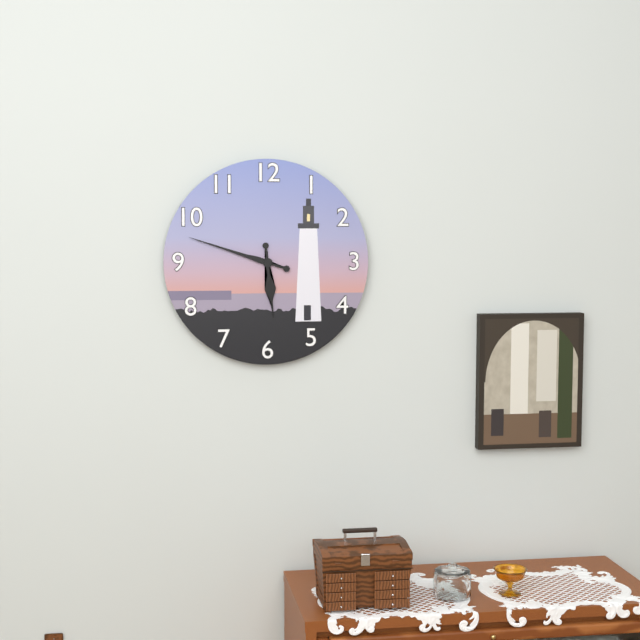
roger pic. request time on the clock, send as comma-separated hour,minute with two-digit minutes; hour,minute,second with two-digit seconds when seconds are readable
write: 5,48
